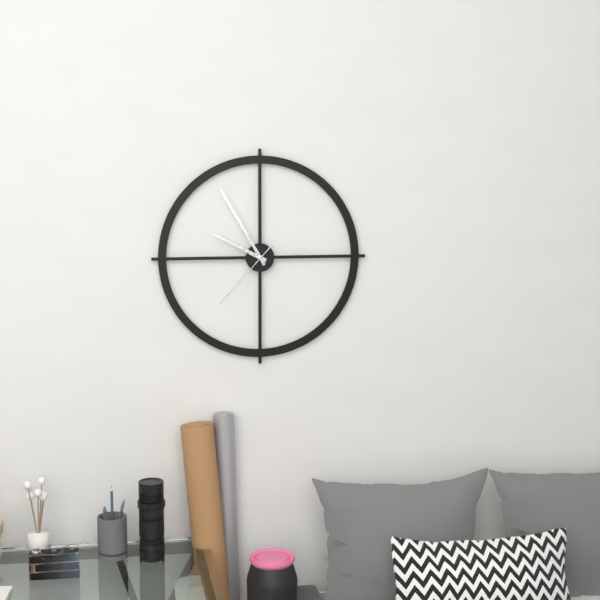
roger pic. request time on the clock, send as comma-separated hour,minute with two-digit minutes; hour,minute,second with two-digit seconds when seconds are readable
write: 9,55,37
